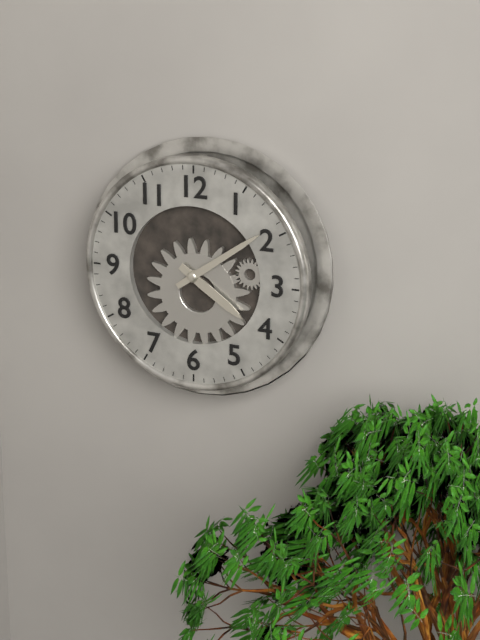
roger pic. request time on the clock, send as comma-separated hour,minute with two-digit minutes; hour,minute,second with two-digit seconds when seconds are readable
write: 4,09
